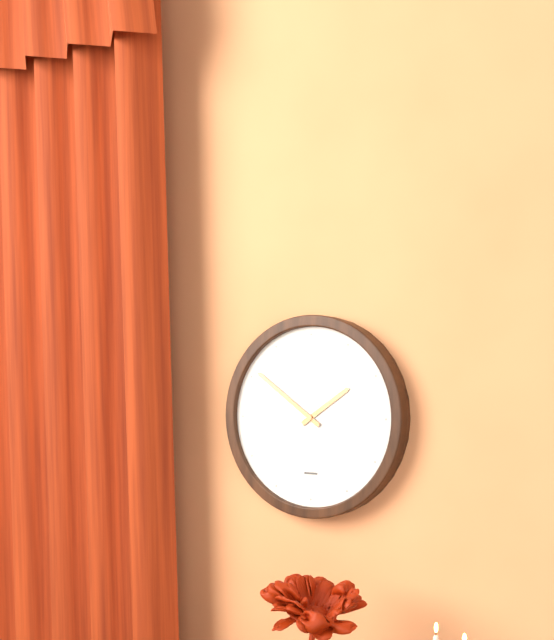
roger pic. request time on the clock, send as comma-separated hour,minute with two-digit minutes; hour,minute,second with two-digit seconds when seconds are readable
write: 1,51
